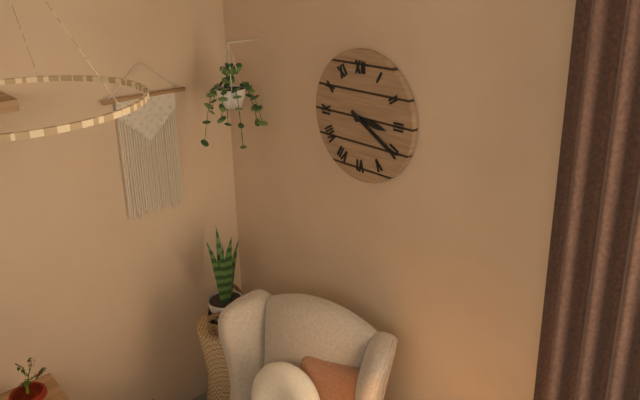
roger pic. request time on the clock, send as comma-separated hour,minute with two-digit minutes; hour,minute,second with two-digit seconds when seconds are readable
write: 3,20
